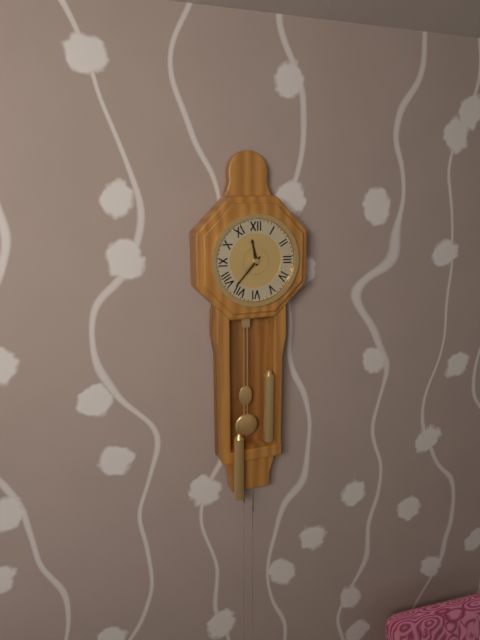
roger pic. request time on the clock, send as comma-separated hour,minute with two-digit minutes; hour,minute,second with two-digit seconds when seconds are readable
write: 11,37
